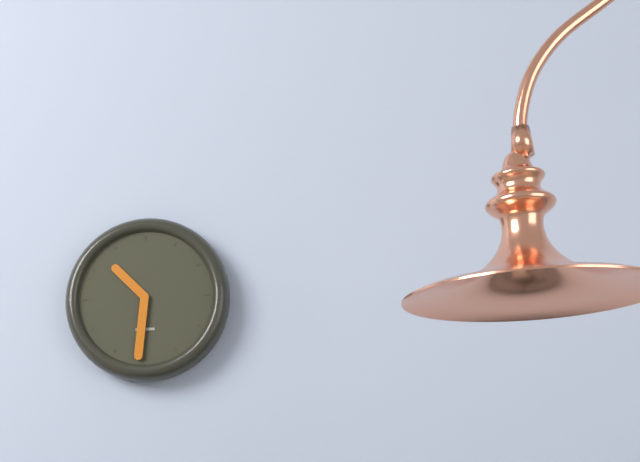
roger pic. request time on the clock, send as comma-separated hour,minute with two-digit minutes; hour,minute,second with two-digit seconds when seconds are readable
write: 10,31
